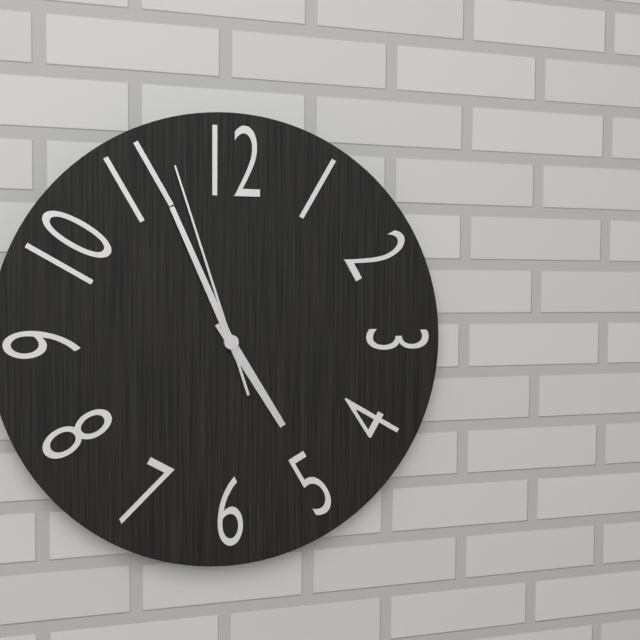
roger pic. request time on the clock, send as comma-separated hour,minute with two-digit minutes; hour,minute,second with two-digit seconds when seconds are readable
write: 4,56,57
